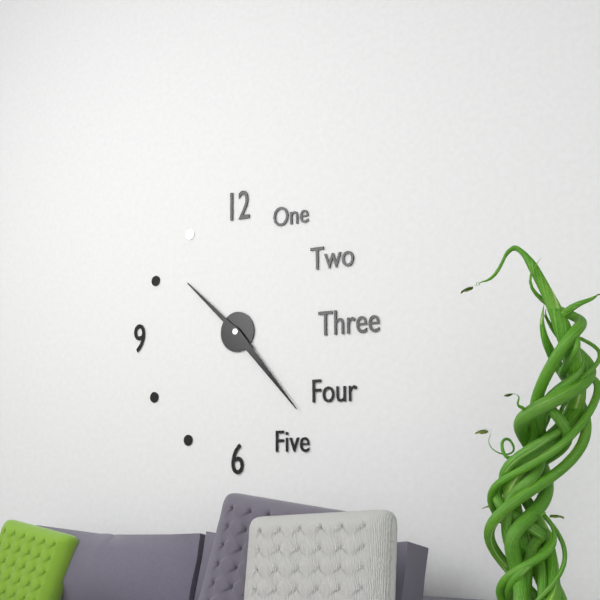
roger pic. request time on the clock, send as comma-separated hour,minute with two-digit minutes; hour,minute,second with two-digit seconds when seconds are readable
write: 10,23
